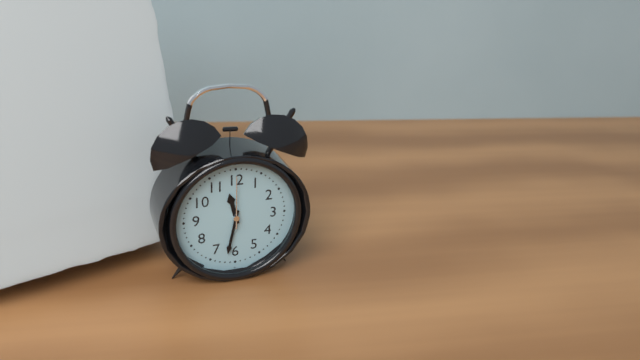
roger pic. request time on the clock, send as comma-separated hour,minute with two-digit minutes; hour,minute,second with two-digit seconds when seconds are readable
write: 11,32,00
